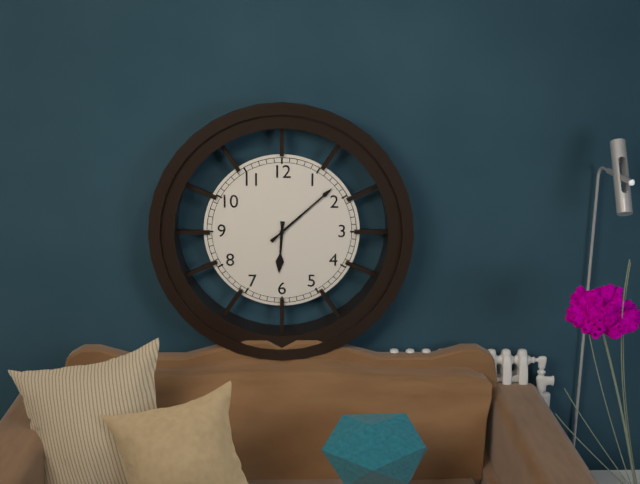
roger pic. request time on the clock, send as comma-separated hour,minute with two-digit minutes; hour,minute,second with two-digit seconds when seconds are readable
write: 6,08
